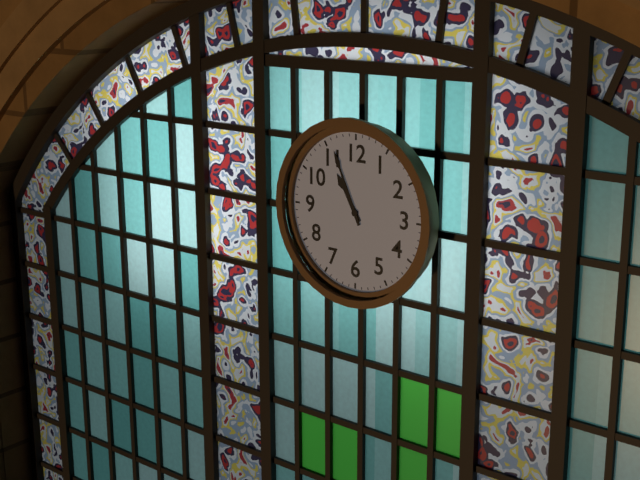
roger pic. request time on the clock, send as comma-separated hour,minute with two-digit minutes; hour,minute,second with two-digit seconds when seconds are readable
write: 10,56
